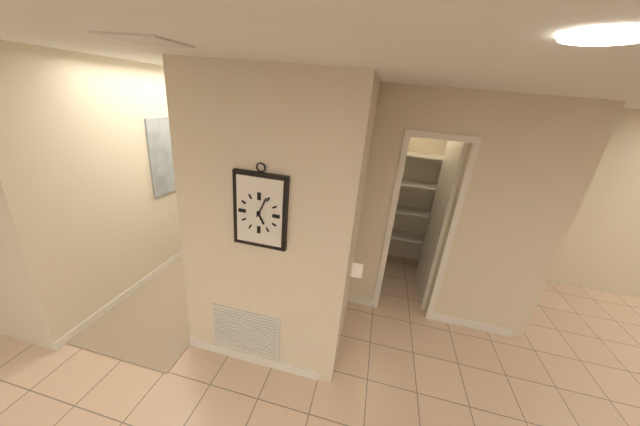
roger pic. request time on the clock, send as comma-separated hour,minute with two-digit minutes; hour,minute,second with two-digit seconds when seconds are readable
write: 5,04
